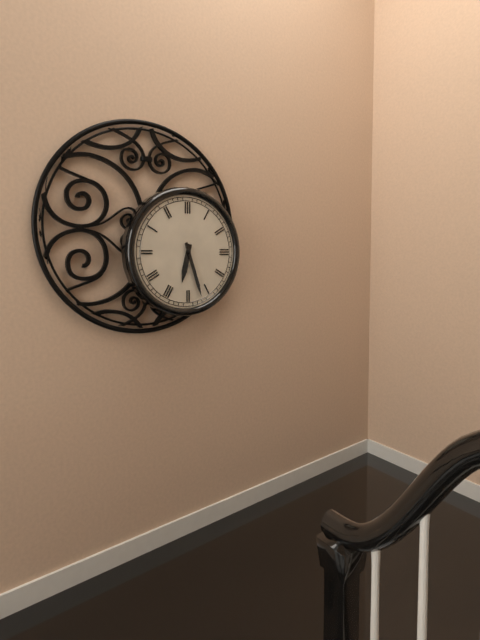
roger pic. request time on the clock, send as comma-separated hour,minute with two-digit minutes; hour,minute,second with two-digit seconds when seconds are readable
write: 6,27
